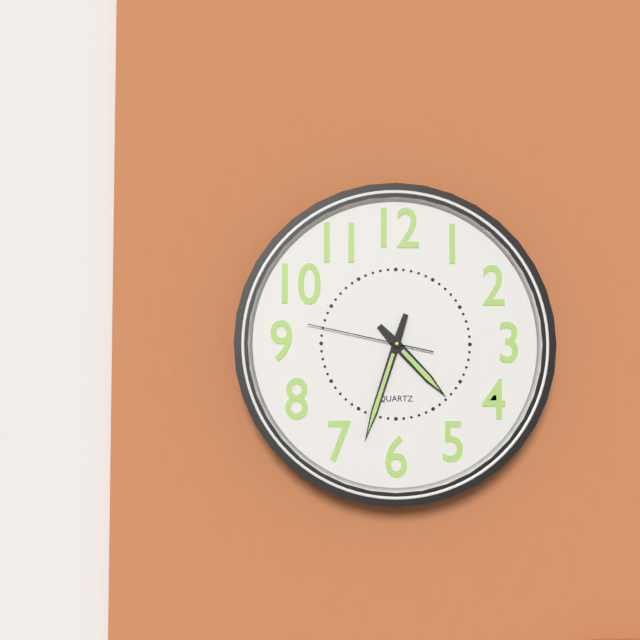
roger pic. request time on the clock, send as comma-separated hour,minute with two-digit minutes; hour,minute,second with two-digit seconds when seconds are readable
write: 4,33,47
